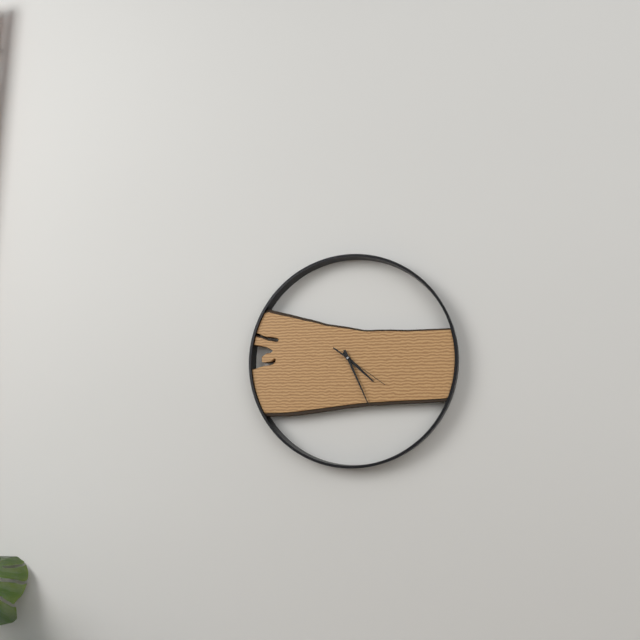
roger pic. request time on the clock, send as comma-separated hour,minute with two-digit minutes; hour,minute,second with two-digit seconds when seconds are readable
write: 4,26,21
